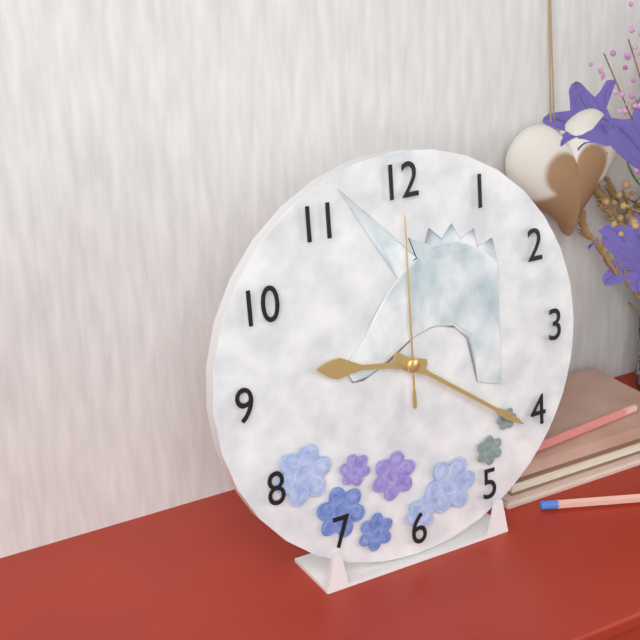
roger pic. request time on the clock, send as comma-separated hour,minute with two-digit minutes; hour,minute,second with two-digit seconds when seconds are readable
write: 9,21,00
